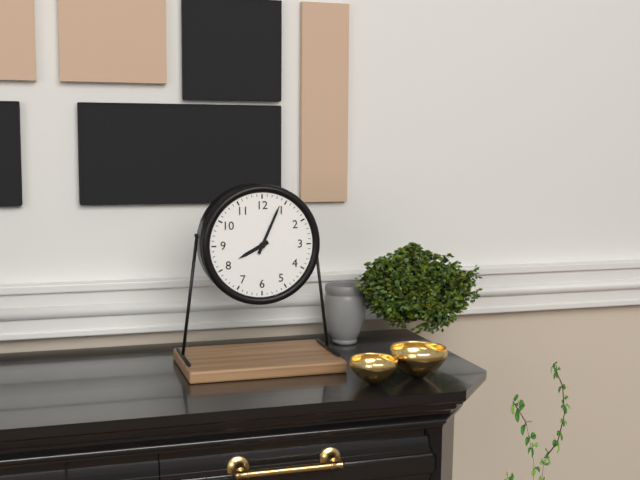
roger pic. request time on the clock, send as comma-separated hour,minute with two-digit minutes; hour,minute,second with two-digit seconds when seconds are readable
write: 8,04
